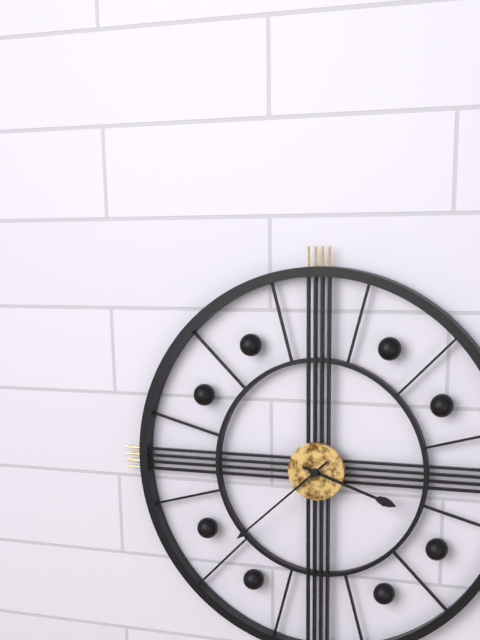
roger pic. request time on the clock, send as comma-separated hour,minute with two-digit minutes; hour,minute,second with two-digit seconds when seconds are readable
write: 3,38
